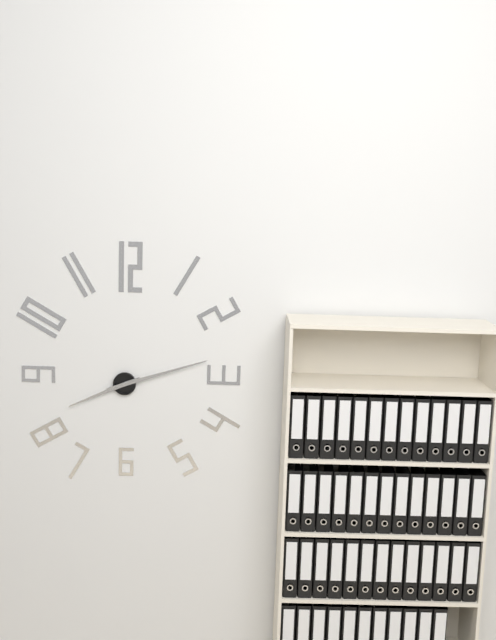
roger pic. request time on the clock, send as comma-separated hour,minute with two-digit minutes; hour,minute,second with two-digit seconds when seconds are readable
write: 8,12
